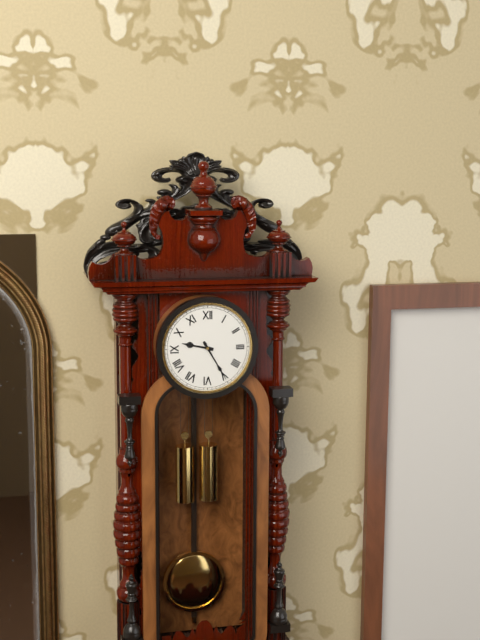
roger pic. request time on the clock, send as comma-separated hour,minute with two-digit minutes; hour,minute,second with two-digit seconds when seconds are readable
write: 9,25
